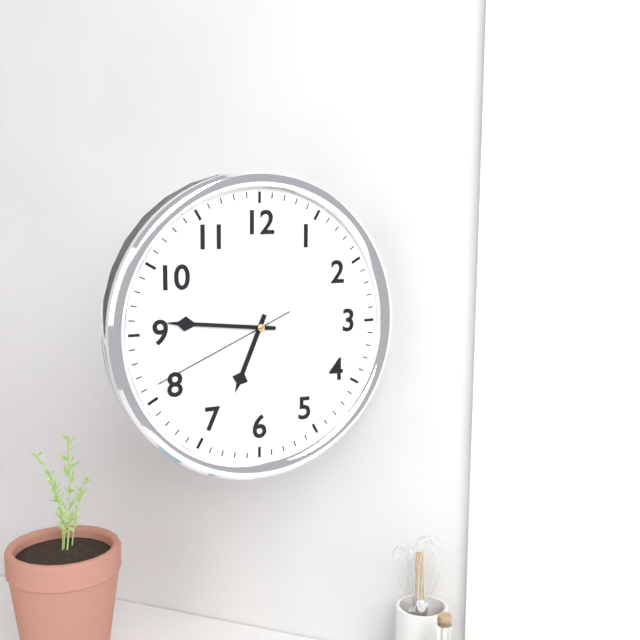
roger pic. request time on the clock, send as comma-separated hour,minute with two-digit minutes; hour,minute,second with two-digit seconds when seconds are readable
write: 6,46,41
